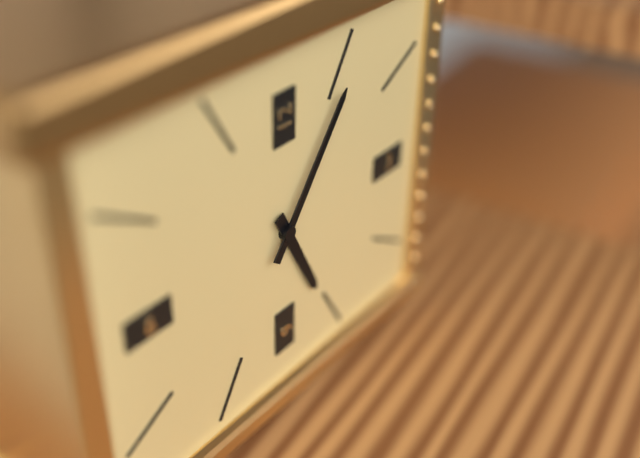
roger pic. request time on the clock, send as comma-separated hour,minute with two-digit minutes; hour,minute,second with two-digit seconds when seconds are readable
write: 5,06
